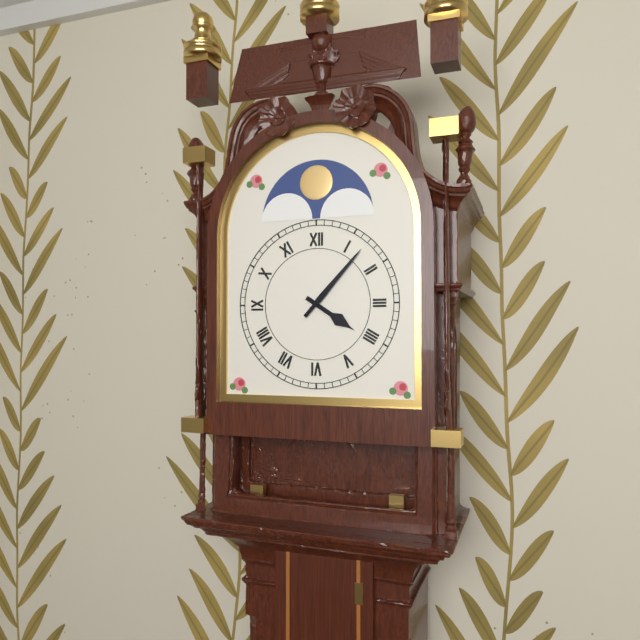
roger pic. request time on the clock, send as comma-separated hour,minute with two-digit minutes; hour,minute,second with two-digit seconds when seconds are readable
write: 4,07
